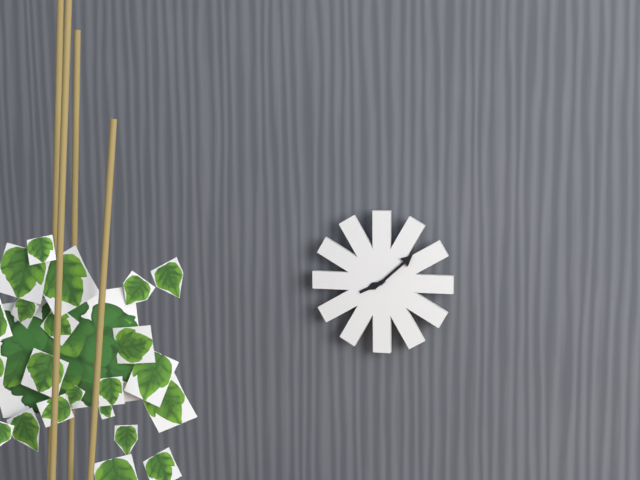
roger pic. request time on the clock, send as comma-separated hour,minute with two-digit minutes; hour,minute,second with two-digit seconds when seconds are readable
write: 8,08
